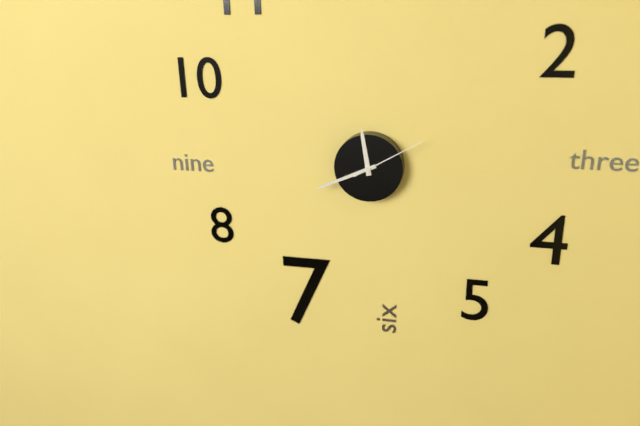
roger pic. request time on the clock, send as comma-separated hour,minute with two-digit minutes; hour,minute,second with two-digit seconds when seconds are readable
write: 11,41,10
